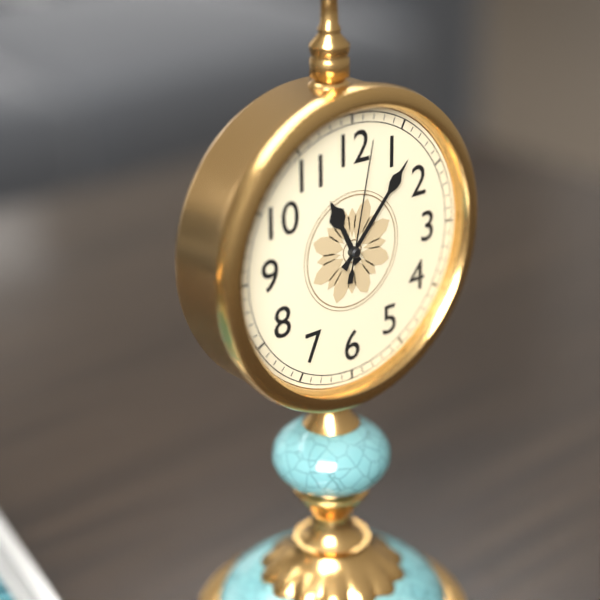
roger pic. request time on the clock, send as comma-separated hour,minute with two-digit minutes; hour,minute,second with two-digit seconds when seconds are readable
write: 11,07,02
